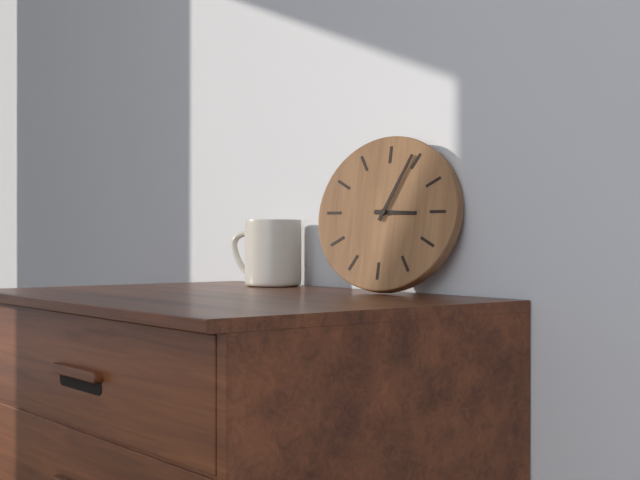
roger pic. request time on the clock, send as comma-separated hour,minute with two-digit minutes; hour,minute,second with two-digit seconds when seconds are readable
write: 3,04
